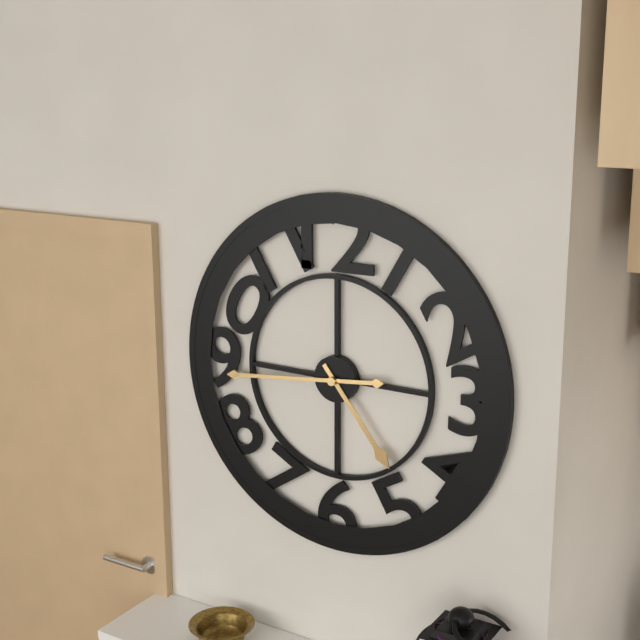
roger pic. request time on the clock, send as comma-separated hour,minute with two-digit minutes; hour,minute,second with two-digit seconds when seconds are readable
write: 4,44
